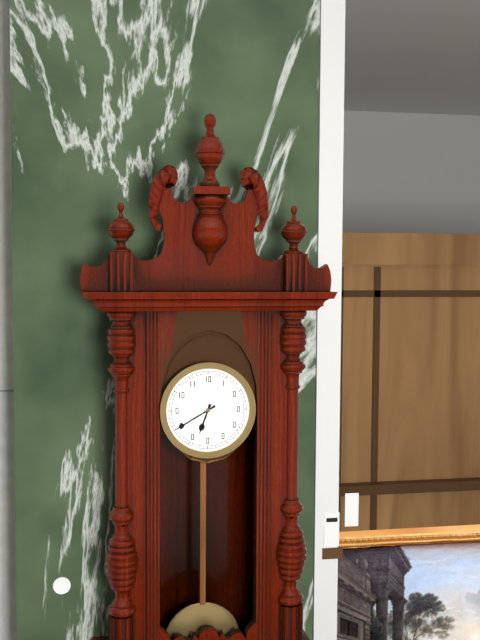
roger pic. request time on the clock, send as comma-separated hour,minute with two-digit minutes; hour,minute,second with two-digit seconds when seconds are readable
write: 6,40
